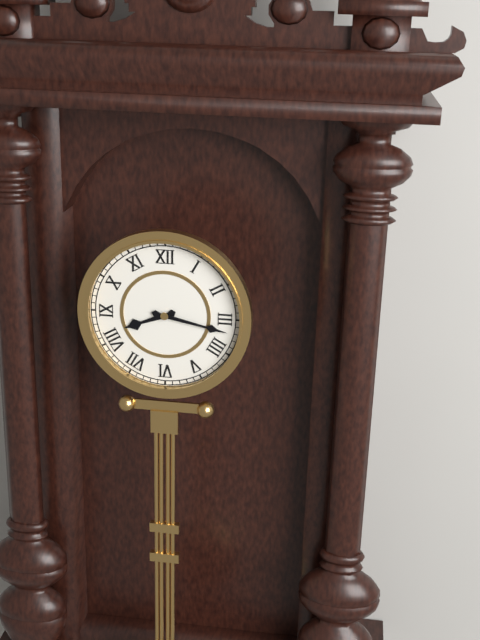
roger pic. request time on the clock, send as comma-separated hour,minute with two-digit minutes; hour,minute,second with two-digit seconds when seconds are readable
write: 8,17
